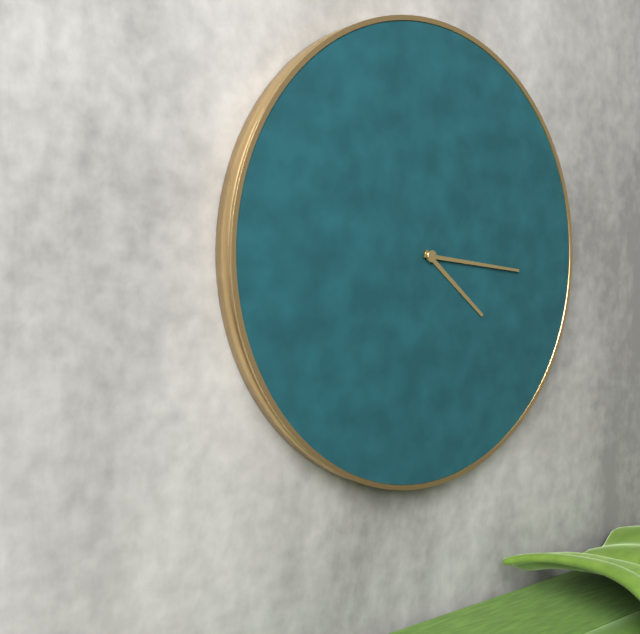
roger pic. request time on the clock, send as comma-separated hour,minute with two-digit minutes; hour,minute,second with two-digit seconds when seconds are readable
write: 4,16
